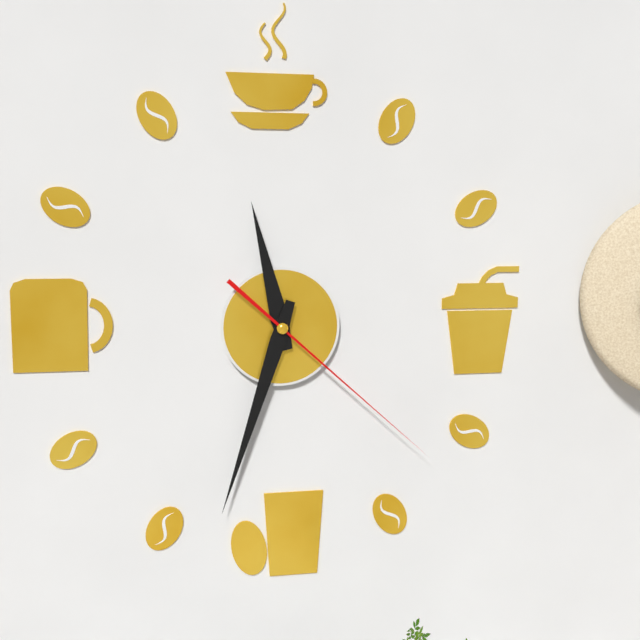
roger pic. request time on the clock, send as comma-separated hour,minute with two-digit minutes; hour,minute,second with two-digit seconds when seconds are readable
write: 11,33,22
